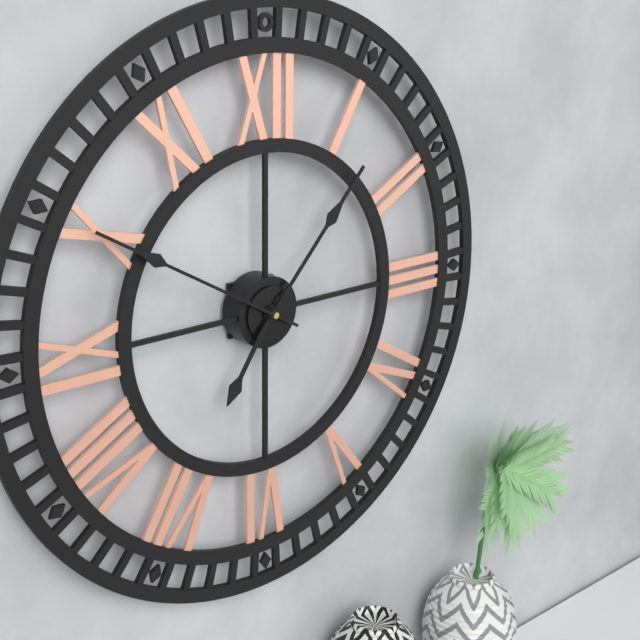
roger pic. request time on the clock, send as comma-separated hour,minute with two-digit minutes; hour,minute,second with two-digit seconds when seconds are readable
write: 7,07,50
